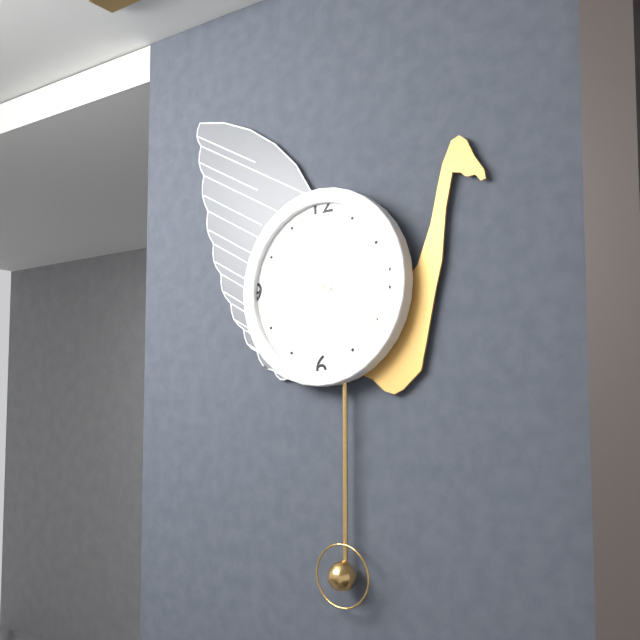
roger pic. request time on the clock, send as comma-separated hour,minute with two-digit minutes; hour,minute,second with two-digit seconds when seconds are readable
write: 9,20
